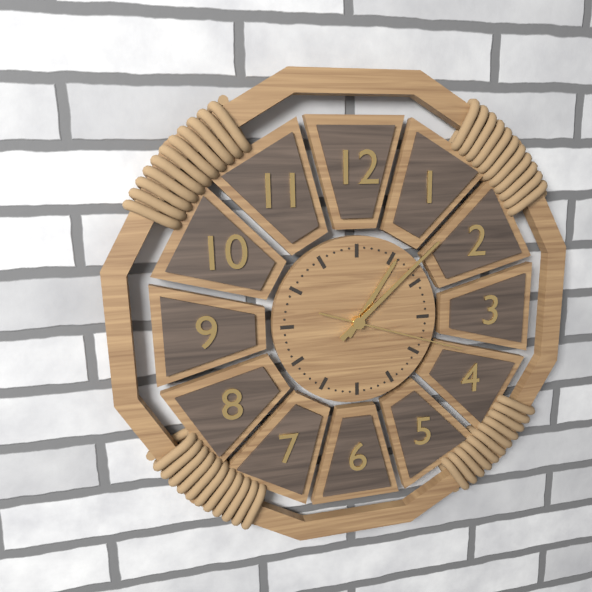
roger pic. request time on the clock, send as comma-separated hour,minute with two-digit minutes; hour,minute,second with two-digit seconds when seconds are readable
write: 1,08,18
